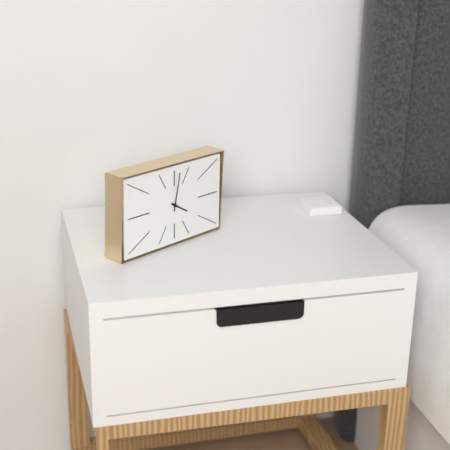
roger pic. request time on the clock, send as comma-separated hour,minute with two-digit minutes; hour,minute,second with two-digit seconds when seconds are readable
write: 4,02
